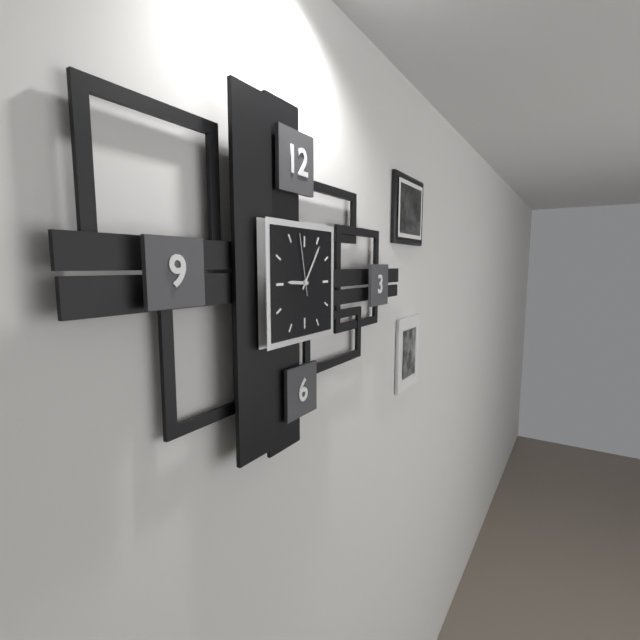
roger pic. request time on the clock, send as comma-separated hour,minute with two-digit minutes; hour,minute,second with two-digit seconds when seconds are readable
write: 9,06,58
